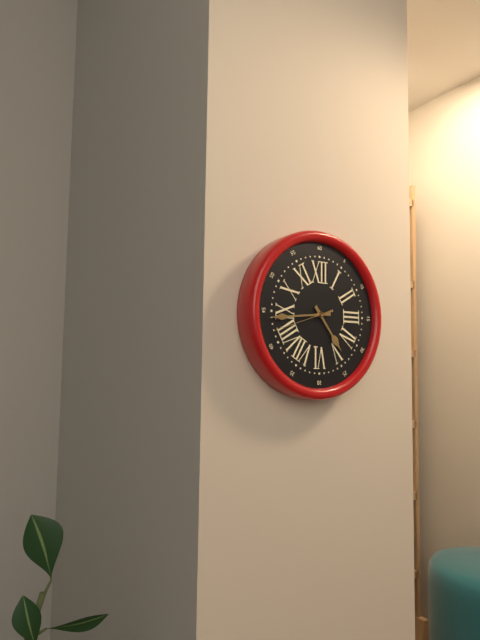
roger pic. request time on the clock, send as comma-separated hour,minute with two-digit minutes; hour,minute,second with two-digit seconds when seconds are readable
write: 4,44,42
